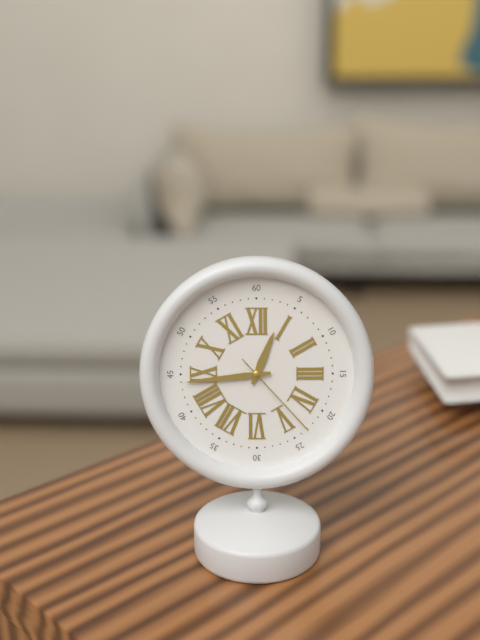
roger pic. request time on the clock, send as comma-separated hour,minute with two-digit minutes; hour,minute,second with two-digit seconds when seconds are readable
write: 12,44,23
